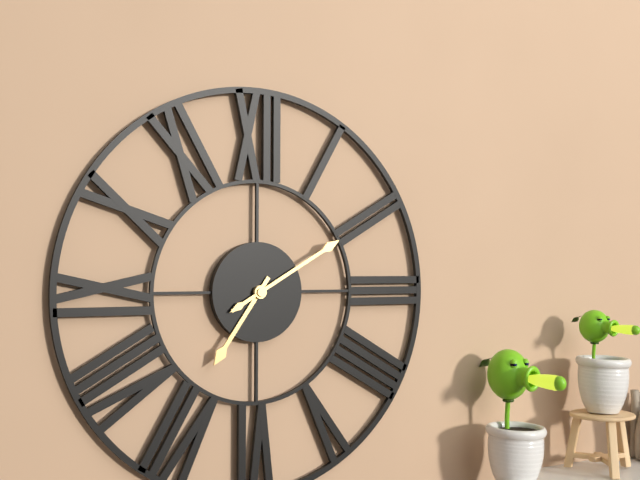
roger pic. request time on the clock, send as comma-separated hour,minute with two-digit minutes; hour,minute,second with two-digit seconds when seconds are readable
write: 7,10
